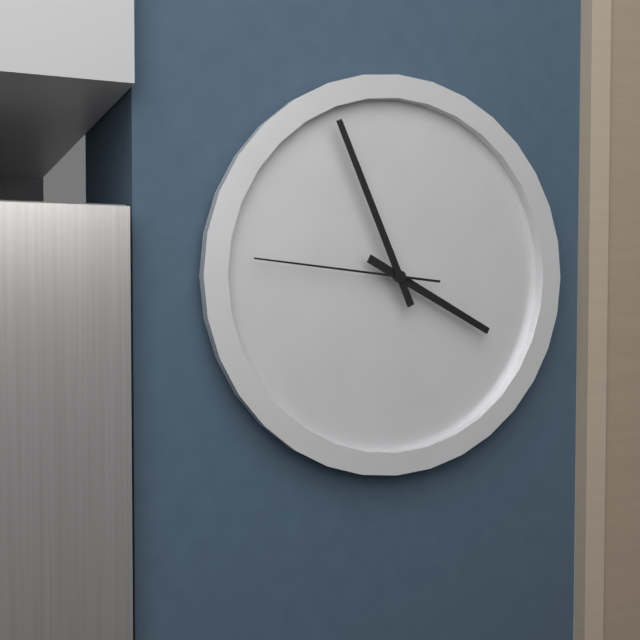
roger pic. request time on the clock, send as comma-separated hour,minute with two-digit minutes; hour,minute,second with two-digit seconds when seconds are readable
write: 3,56,46
